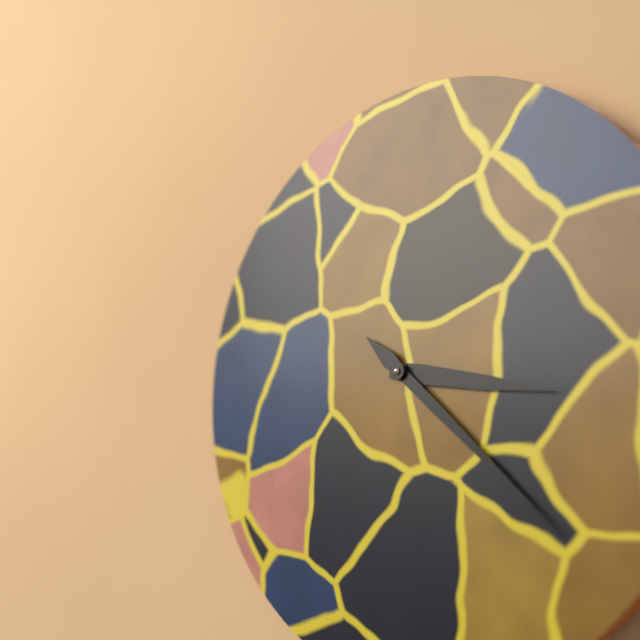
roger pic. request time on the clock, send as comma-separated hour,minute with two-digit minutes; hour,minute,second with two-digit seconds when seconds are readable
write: 3,22
